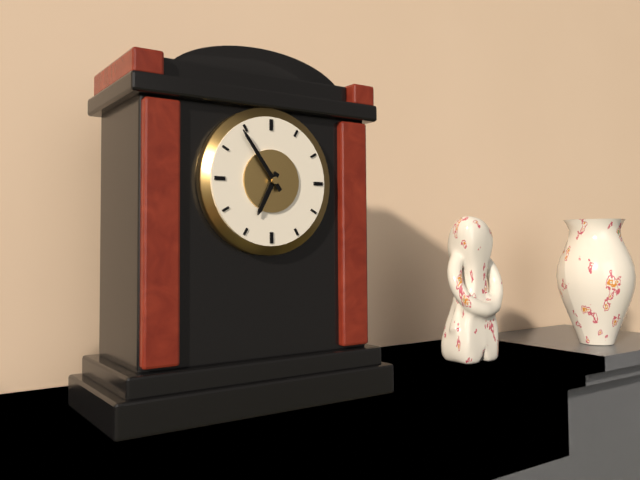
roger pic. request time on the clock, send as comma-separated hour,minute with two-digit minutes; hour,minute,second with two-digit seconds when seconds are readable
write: 6,54
